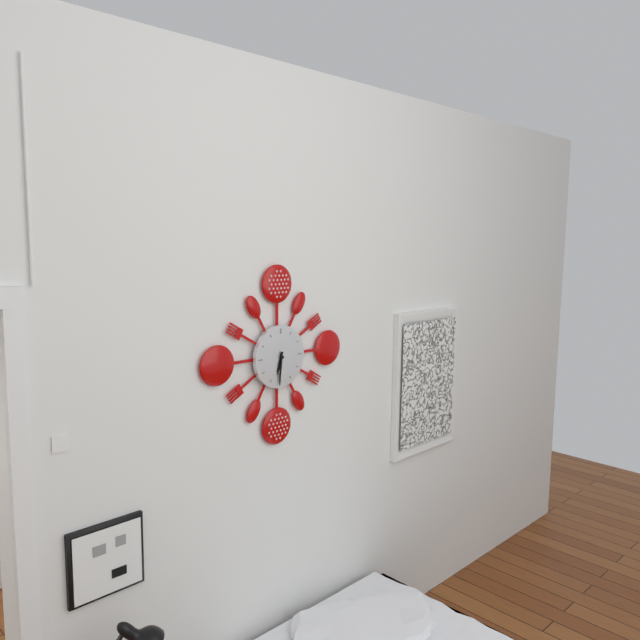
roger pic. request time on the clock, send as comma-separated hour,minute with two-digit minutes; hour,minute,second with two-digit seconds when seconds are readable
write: 6,31
